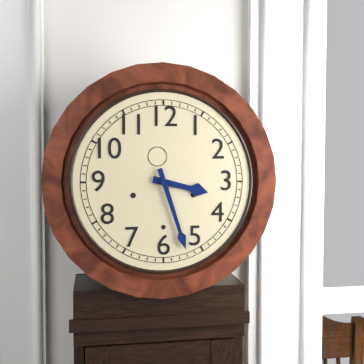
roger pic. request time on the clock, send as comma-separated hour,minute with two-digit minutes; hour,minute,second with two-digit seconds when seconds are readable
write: 3,27
